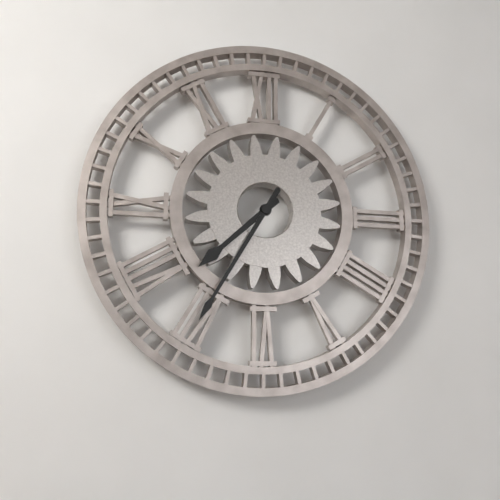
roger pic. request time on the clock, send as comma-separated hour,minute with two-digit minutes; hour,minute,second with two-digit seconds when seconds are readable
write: 7,35
